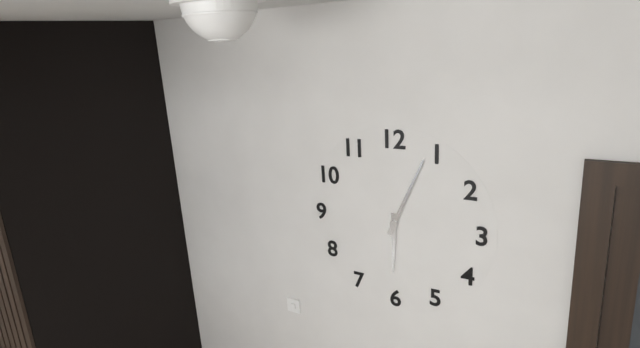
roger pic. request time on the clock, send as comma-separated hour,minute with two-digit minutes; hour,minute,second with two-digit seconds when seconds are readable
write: 6,04
